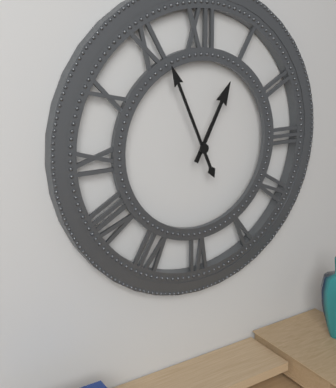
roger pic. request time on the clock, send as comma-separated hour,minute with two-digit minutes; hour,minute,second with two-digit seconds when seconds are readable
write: 12,56
